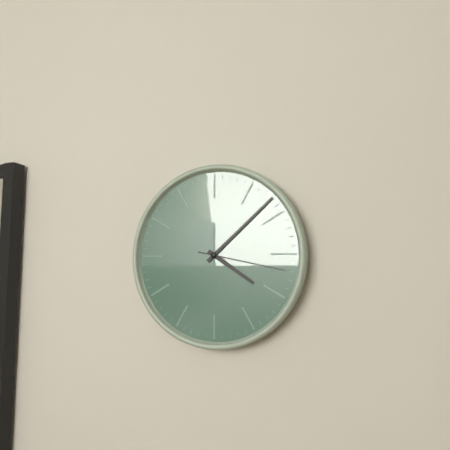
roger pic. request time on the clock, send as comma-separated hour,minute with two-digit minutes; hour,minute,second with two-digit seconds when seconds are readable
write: 4,08,17
